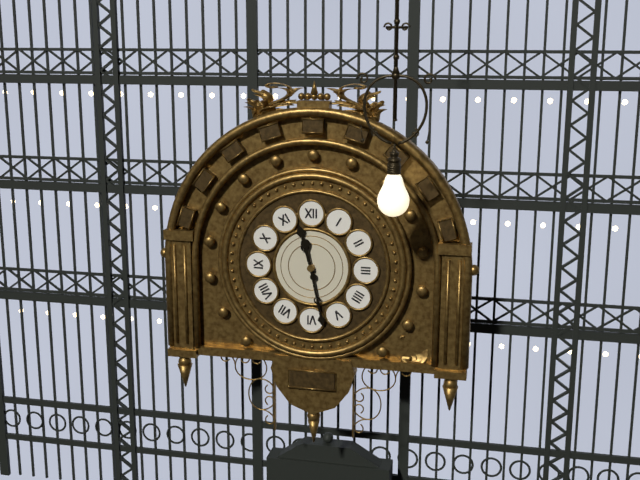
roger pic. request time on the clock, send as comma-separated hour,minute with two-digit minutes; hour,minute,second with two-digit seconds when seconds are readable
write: 11,28
